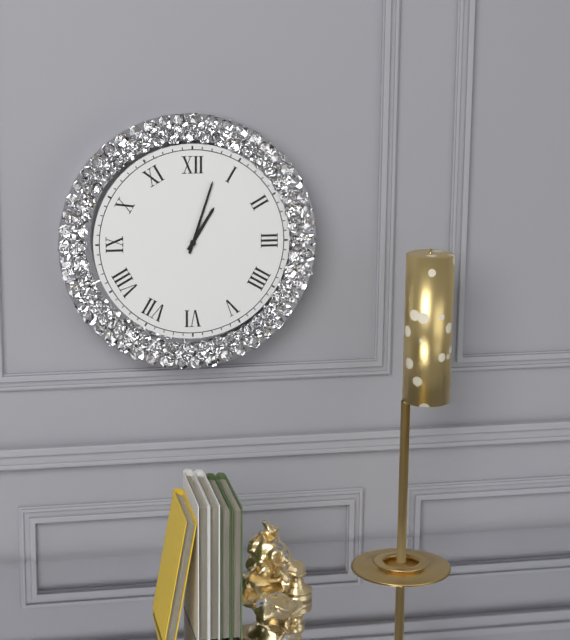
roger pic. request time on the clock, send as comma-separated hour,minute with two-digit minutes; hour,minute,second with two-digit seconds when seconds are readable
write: 1,03
